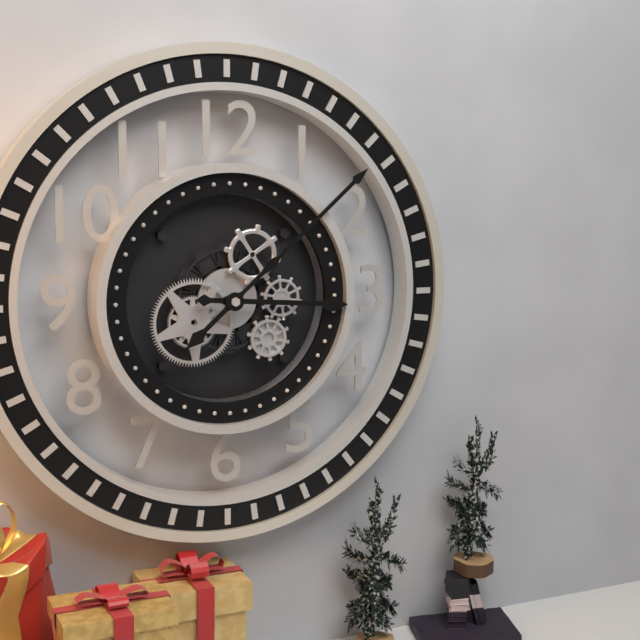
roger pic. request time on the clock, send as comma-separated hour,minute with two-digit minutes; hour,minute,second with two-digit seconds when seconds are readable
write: 3,08
